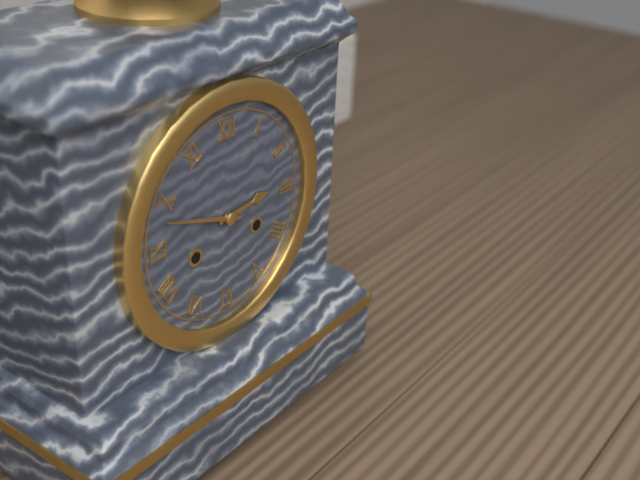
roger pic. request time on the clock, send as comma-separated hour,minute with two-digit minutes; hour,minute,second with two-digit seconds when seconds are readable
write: 2,48
